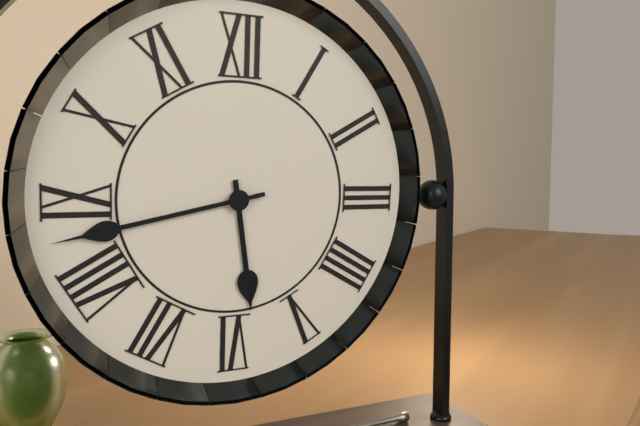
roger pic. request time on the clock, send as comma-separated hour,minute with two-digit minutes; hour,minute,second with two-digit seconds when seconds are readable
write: 5,43
